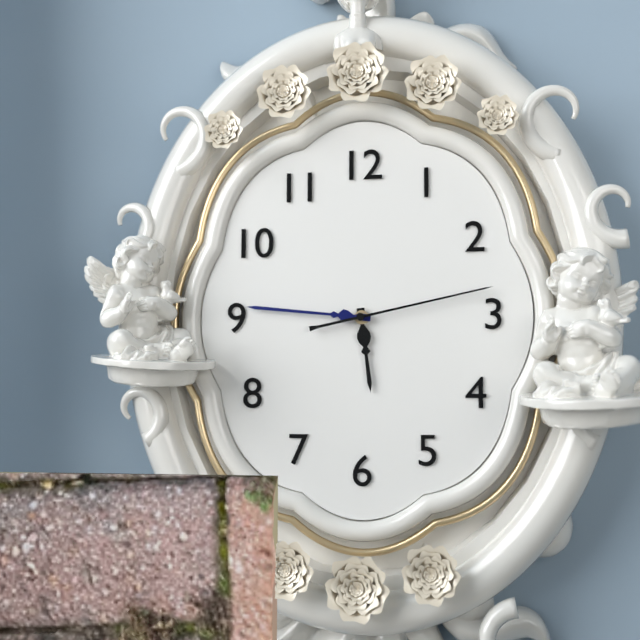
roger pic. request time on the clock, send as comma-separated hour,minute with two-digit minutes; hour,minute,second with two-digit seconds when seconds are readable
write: 5,46,13
